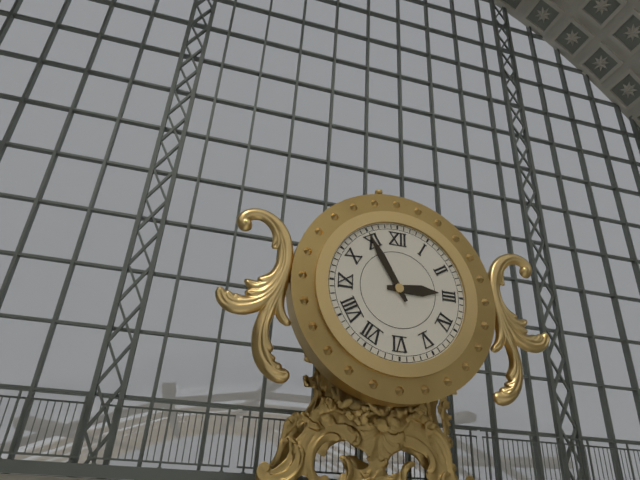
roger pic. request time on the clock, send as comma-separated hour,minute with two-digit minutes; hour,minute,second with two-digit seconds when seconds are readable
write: 2,55
